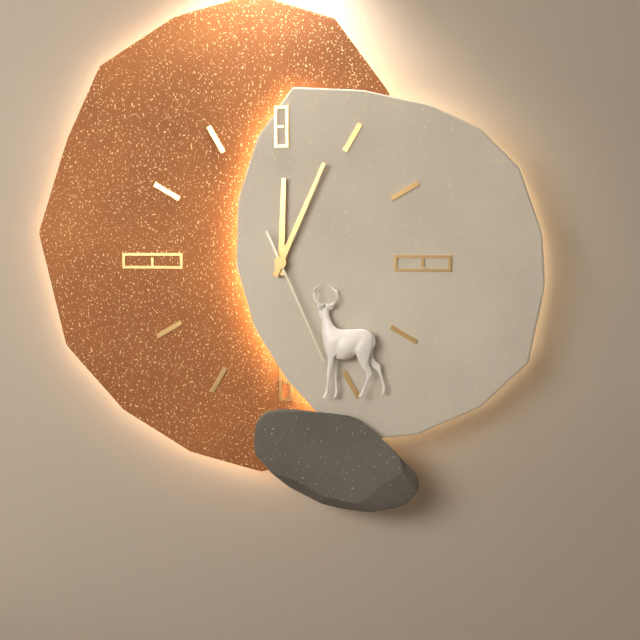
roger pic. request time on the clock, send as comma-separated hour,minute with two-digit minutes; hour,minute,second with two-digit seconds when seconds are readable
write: 12,04,26
